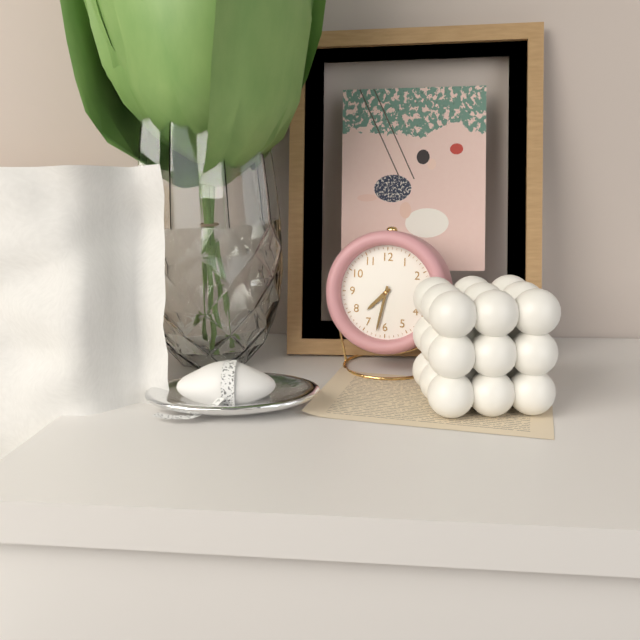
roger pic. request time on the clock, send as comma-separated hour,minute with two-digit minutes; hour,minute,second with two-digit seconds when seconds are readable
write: 7,32
